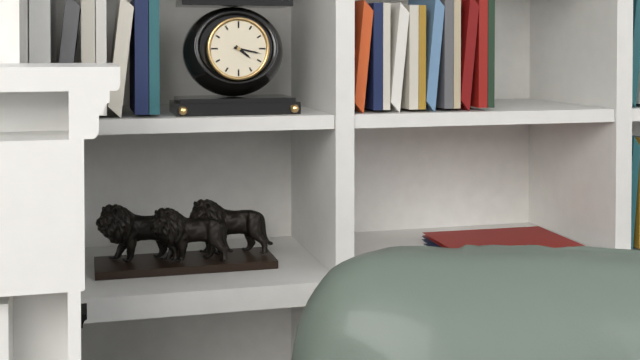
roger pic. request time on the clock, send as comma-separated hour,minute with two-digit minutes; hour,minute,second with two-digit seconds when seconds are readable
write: 4,17
